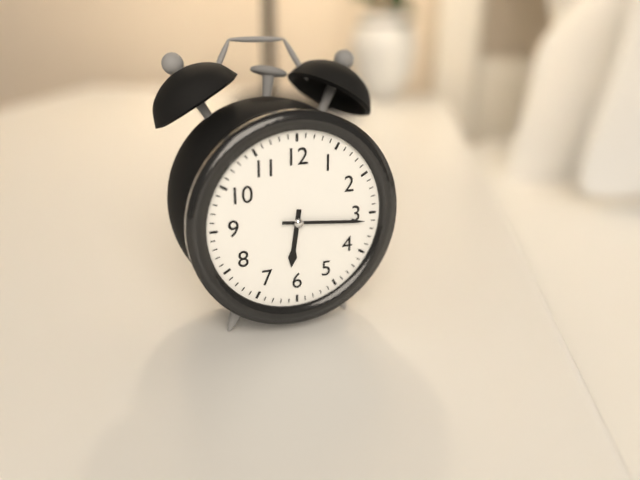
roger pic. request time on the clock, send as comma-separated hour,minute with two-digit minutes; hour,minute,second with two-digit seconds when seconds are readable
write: 6,16
